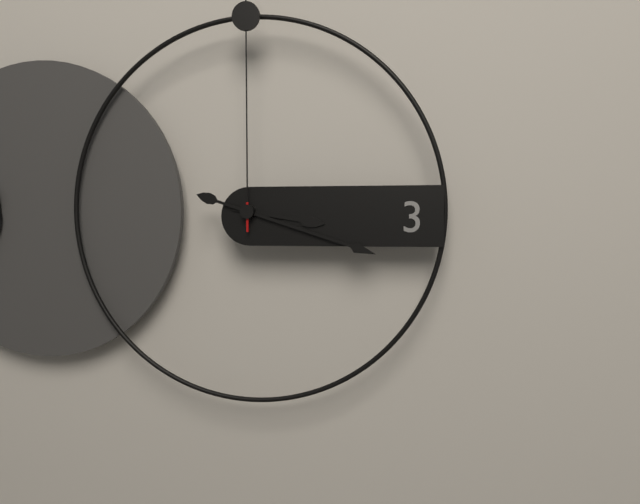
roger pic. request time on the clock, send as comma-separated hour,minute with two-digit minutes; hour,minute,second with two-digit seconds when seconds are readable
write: 3,18
